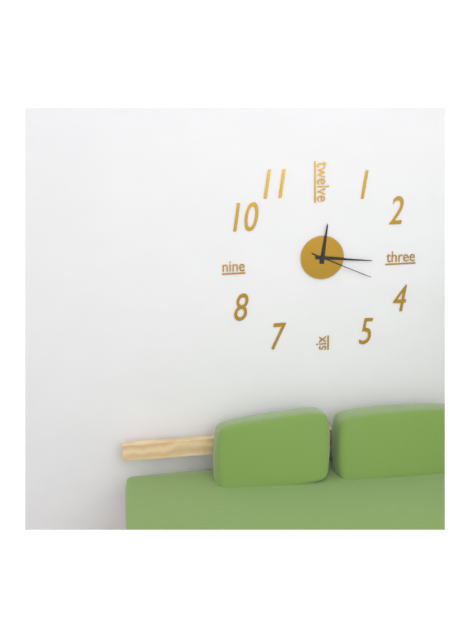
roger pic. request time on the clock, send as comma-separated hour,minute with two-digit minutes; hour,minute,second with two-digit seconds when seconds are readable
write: 12,16,19
